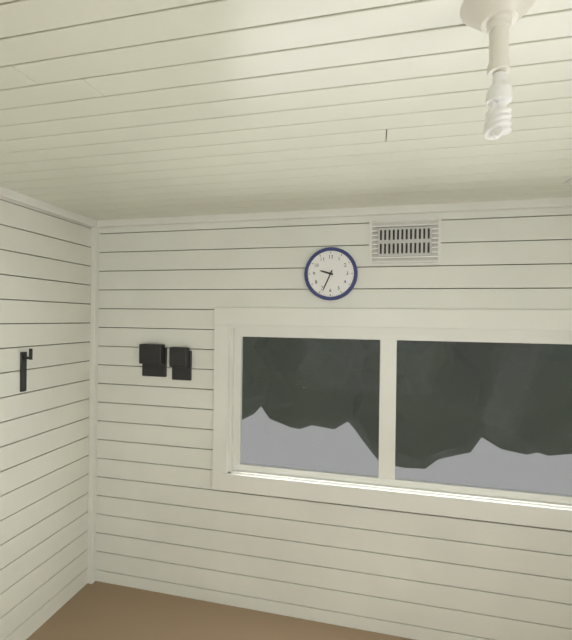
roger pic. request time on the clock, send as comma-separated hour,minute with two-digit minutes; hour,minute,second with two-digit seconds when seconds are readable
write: 9,34
